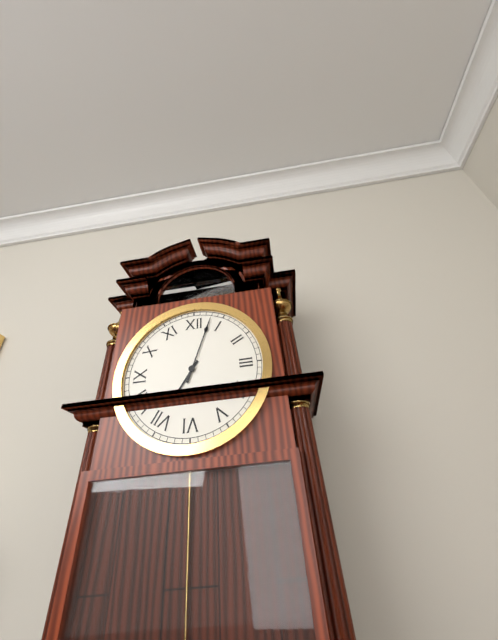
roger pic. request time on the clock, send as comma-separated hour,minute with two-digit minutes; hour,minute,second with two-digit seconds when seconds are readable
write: 7,03
